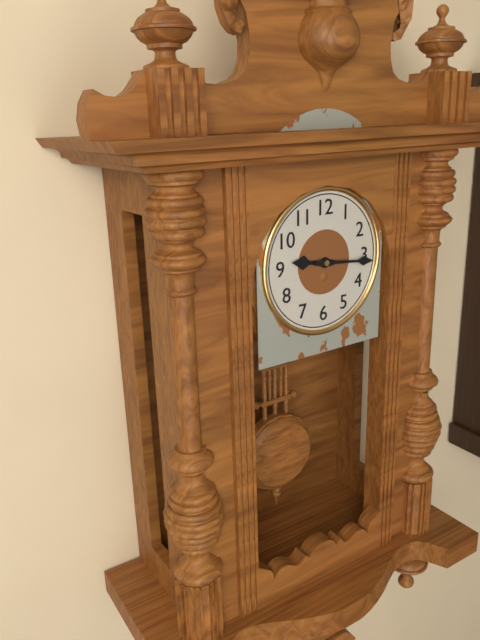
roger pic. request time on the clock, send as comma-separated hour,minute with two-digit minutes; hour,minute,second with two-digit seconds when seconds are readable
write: 9,16
